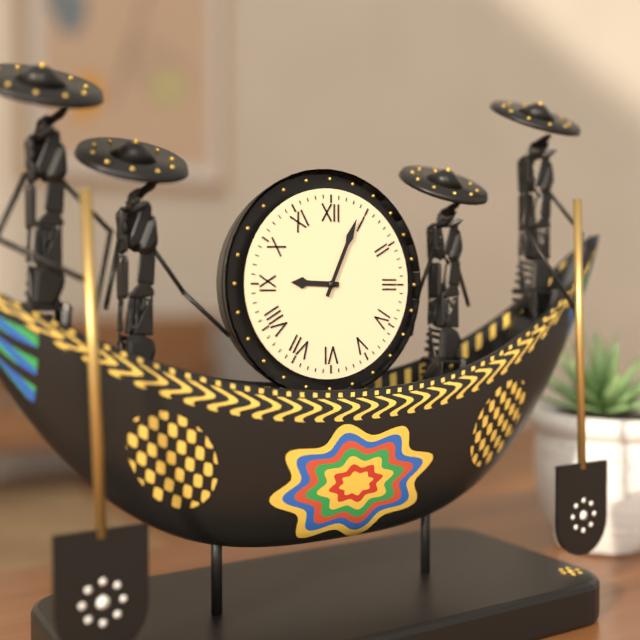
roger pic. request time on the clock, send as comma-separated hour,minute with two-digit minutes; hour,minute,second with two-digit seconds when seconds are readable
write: 9,04
